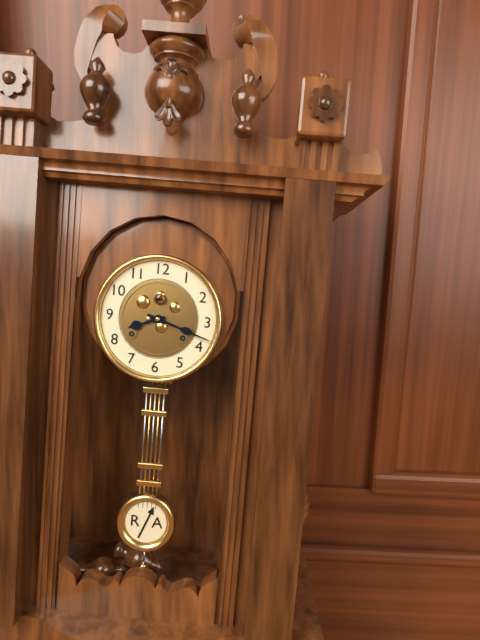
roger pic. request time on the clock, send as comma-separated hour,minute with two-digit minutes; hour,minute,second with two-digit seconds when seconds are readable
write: 8,18
